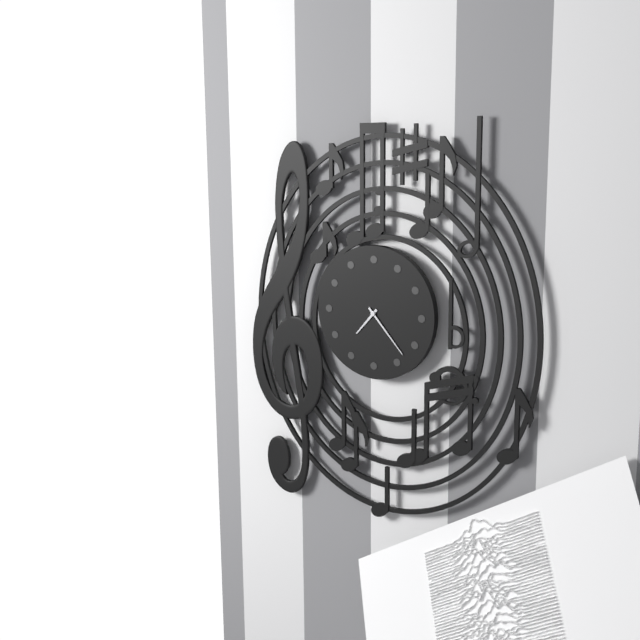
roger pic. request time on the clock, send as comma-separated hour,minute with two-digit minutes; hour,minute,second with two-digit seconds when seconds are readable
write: 7,23
